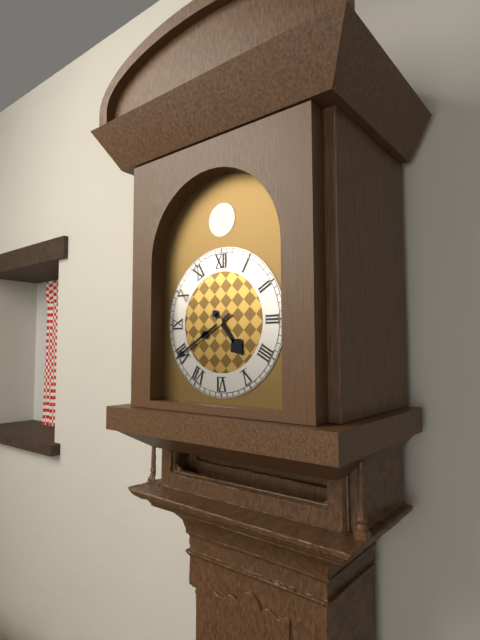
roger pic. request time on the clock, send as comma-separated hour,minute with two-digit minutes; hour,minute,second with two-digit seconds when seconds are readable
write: 4,40
